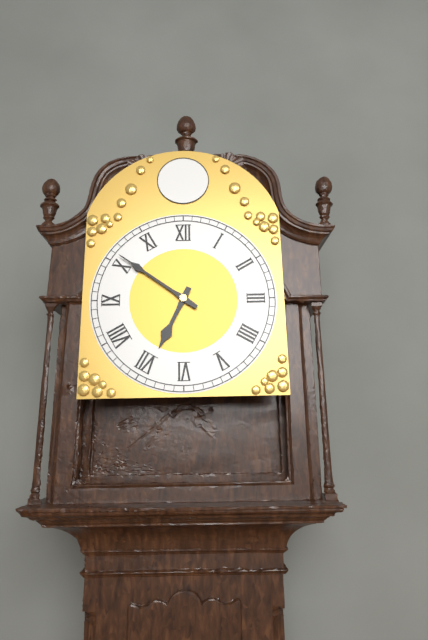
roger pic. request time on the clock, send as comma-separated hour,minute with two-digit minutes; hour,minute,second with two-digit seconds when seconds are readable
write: 6,51
